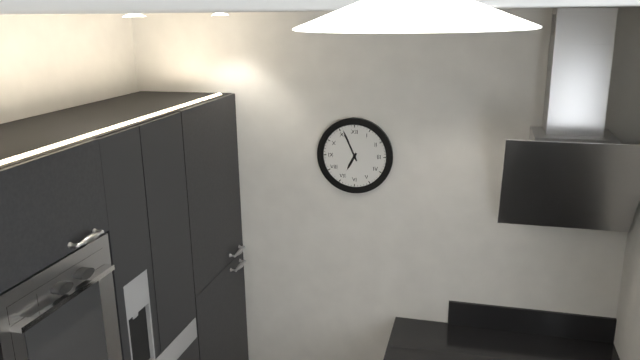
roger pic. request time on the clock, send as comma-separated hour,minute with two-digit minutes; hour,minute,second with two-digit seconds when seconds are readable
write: 6,56
